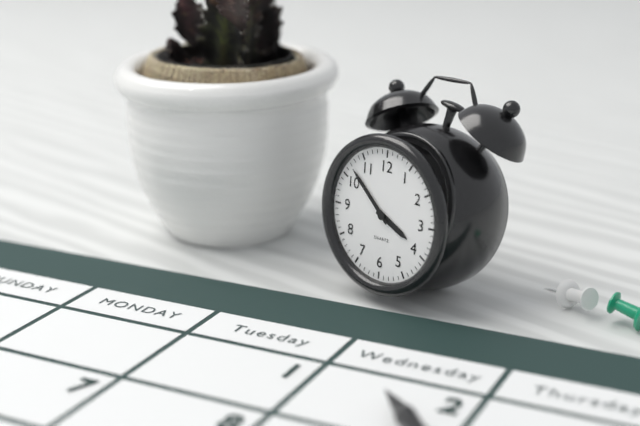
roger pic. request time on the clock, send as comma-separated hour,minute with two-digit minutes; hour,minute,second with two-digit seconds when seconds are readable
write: 3,52
